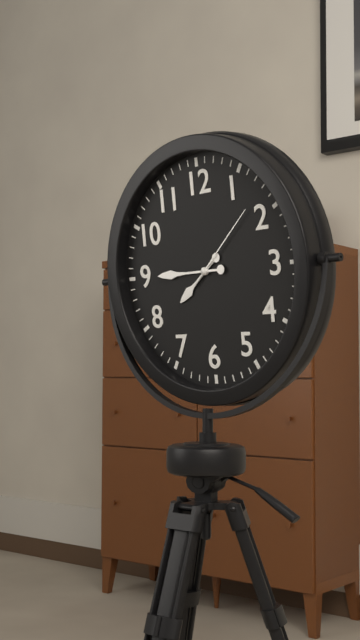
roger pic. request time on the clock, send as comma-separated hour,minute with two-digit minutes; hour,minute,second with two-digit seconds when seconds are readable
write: 7,45,08
